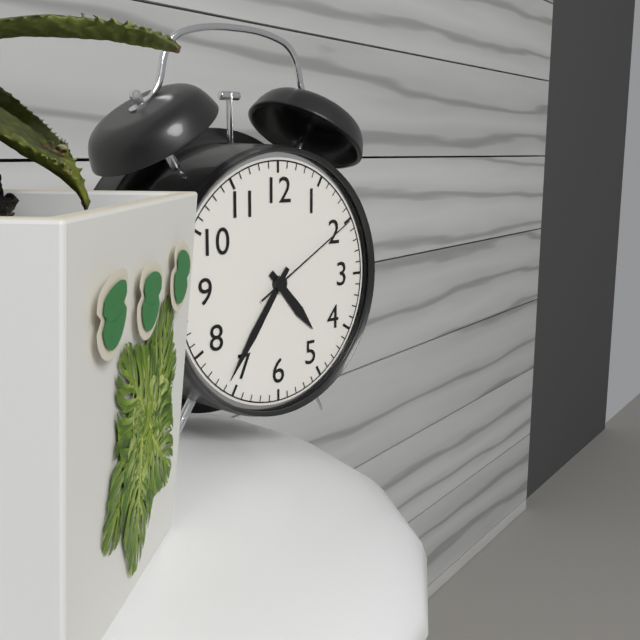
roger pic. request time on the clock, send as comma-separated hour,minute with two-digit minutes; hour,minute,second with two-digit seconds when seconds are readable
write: 4,36,10
